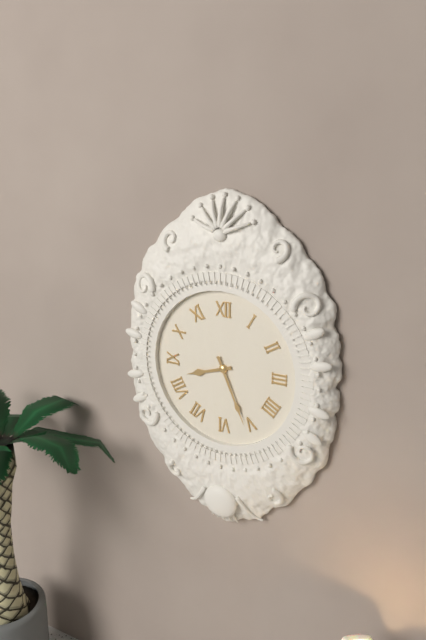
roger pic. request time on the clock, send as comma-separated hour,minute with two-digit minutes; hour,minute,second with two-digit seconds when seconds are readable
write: 8,26
